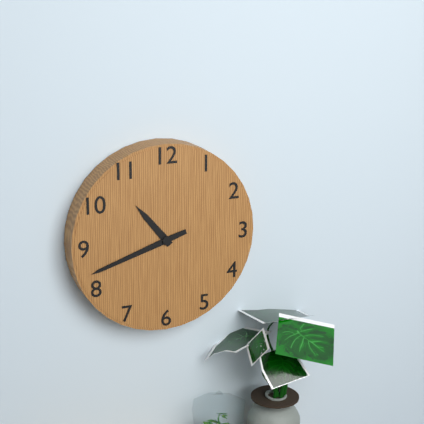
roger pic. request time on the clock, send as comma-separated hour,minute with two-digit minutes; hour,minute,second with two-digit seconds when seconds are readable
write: 10,42
